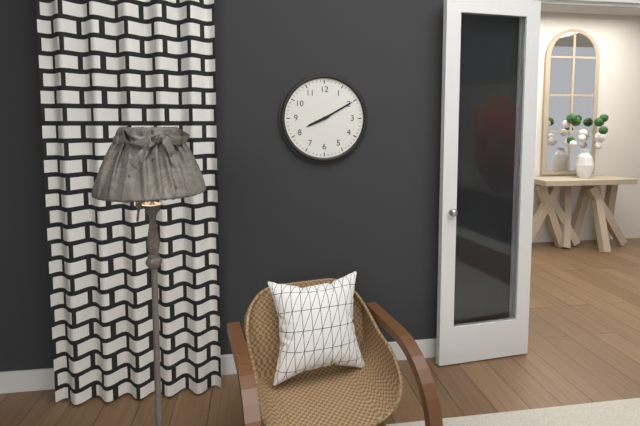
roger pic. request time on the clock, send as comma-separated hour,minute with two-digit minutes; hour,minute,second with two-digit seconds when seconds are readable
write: 8,10
